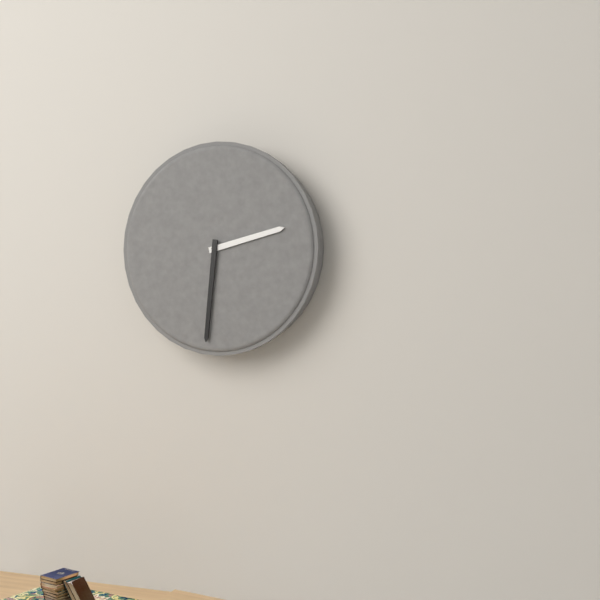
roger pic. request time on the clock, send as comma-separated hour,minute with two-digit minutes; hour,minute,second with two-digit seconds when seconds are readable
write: 2,31
